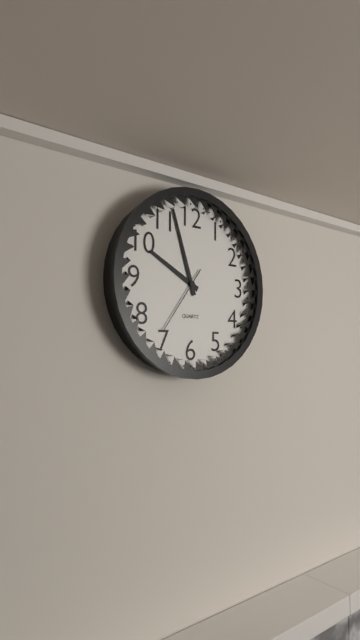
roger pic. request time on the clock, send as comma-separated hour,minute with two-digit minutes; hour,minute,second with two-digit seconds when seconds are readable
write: 9,57,36
